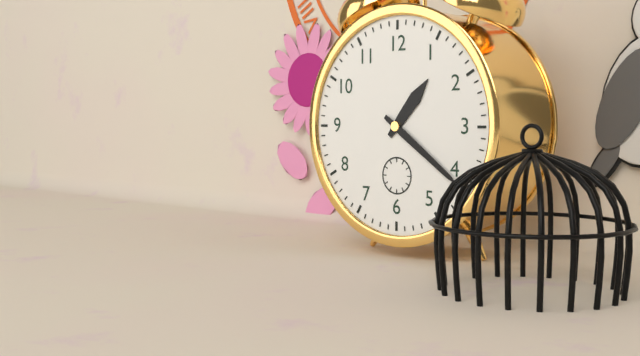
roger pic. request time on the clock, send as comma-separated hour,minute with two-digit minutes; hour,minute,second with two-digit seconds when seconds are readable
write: 1,21
